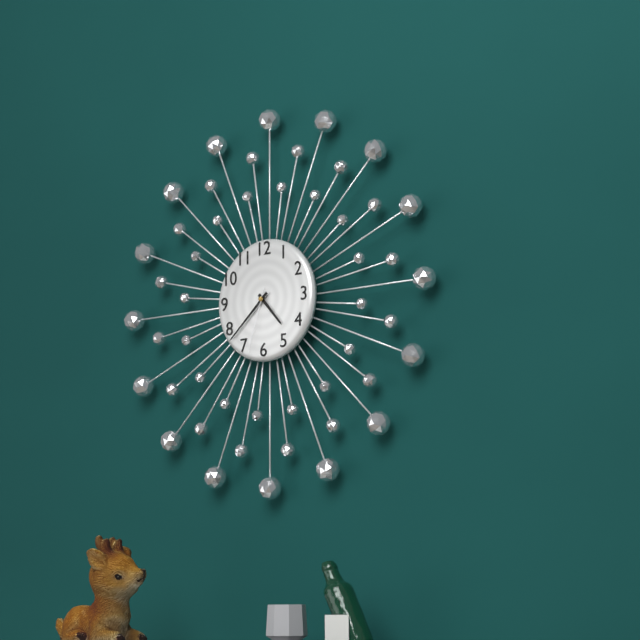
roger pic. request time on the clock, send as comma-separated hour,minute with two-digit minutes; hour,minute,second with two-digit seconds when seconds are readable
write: 4,38,33
